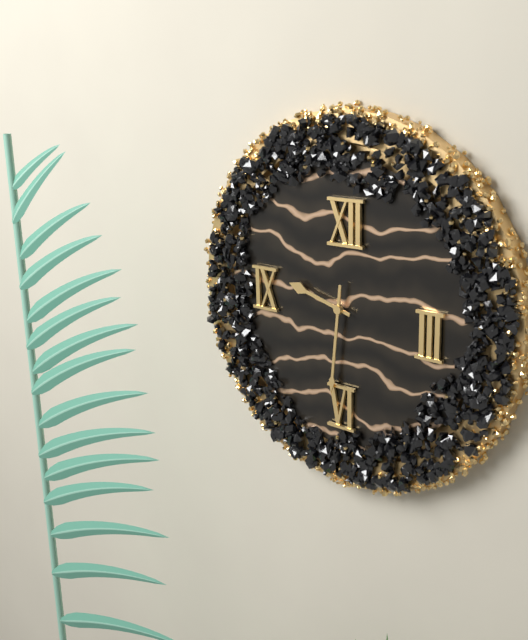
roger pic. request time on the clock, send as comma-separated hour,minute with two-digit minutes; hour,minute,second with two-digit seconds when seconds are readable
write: 9,31
